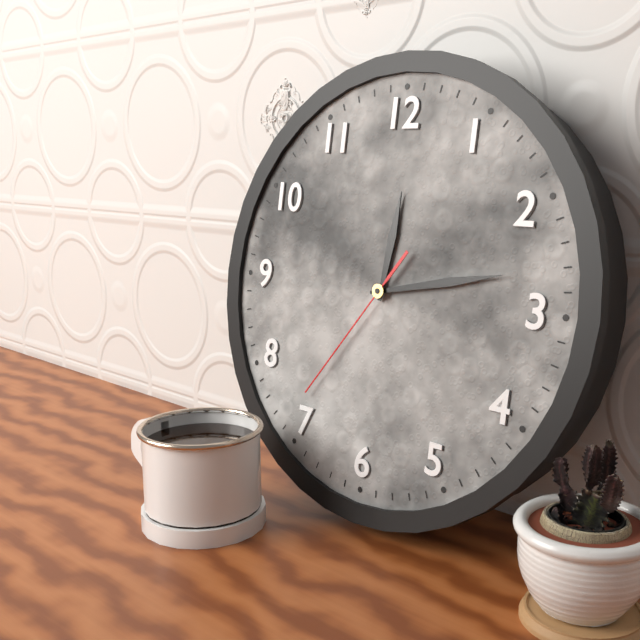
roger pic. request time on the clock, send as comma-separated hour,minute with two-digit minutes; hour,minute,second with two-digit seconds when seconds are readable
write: 12,13,36
